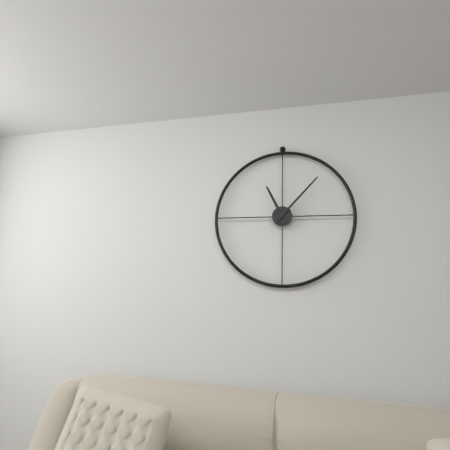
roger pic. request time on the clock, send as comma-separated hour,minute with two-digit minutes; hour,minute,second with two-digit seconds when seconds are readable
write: 11,07
